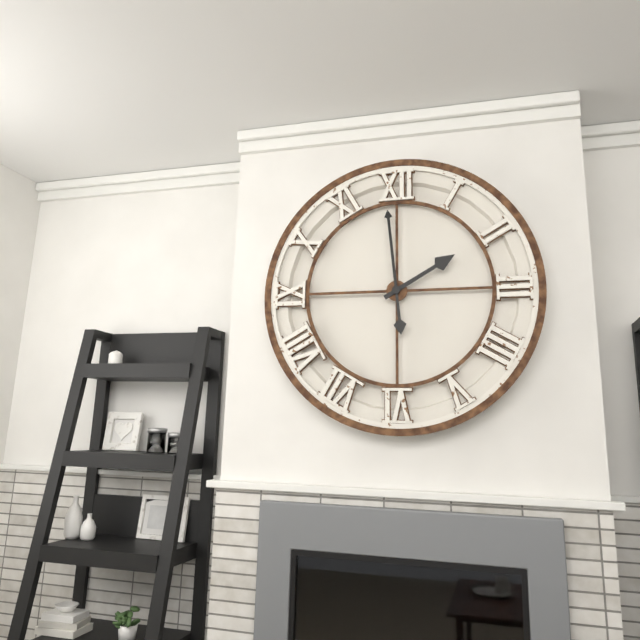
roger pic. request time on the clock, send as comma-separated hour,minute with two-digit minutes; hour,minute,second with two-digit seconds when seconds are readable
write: 1,59
